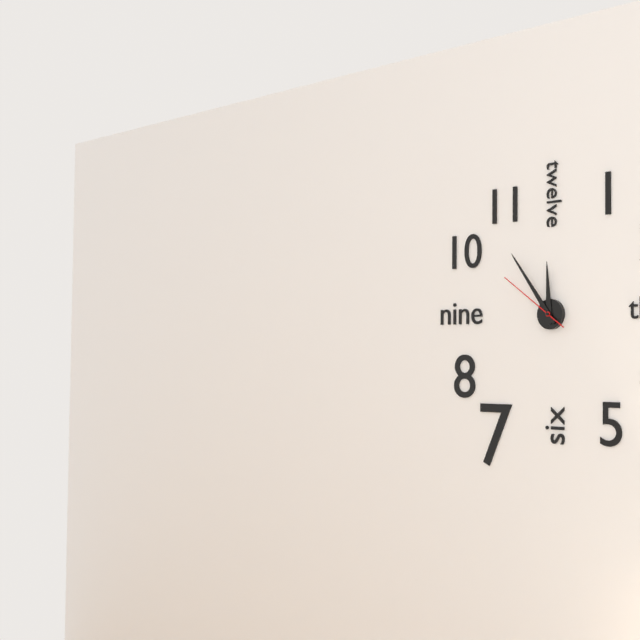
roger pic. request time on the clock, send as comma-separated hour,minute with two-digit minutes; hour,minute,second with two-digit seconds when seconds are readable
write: 11,54,51
